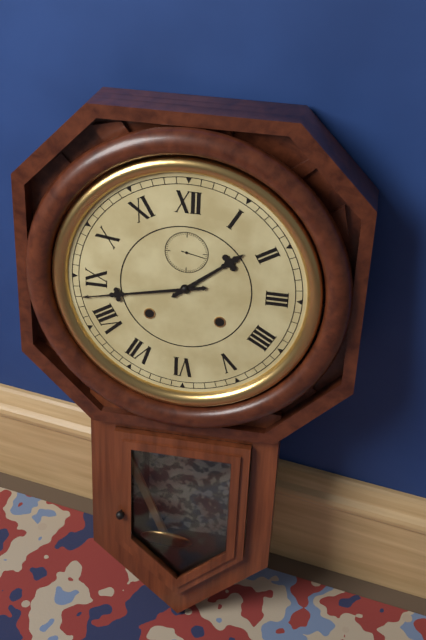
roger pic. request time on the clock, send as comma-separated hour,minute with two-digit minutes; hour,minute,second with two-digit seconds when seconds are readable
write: 1,43
